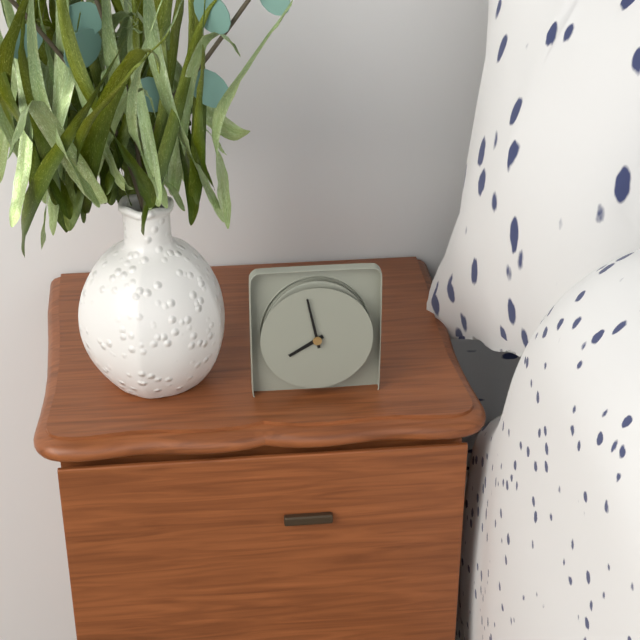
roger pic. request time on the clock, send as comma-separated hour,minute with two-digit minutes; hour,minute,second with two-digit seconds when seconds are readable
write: 7,58
